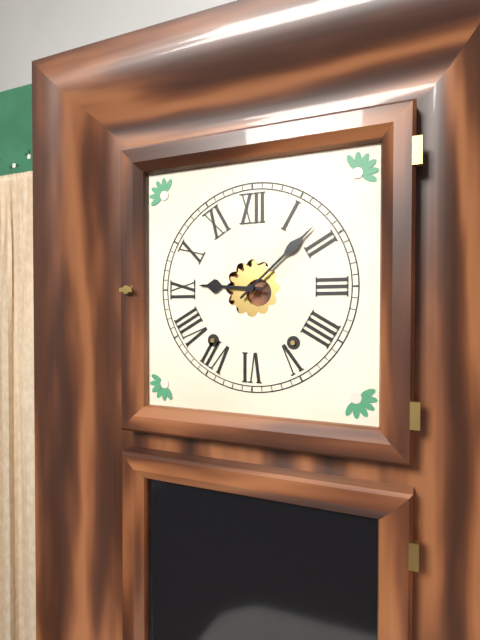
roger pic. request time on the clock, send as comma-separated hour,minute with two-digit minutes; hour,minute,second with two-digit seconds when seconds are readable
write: 9,08
